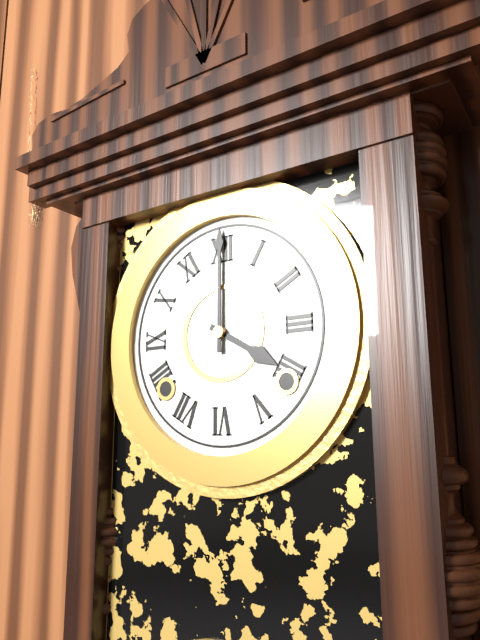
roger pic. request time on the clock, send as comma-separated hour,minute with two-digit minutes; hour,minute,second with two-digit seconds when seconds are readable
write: 4,00
